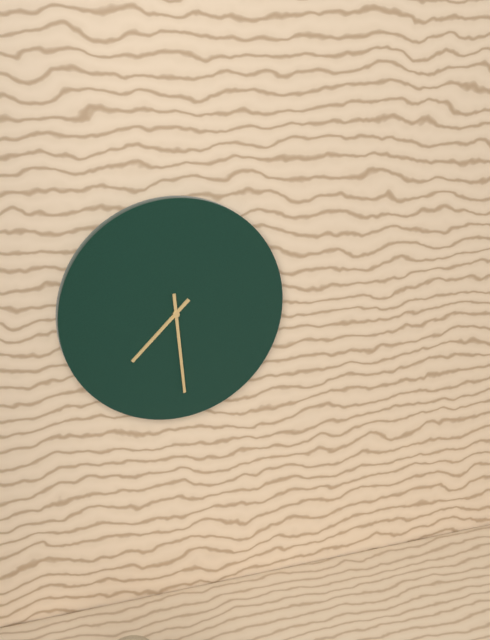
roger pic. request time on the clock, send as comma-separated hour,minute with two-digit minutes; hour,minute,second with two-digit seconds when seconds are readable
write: 7,29
